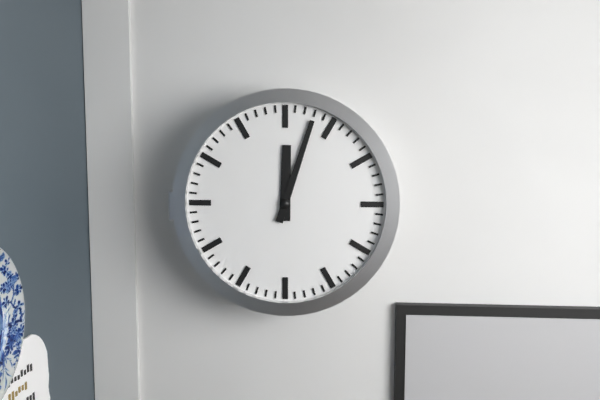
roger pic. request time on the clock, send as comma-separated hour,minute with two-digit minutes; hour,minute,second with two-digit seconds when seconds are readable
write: 12,03
